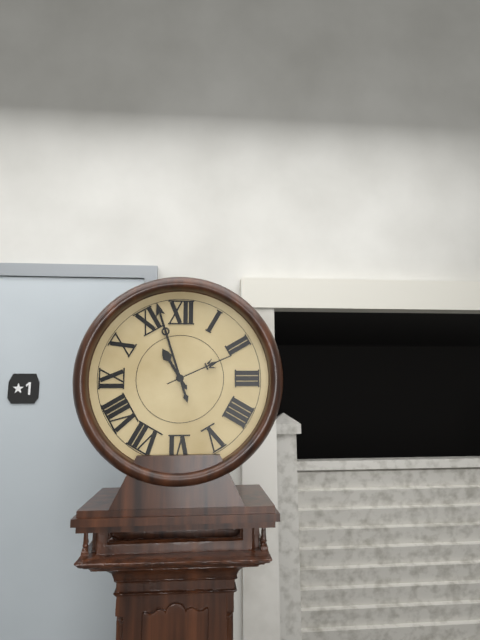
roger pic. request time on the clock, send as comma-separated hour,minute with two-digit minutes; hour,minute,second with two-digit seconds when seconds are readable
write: 10,57,11
